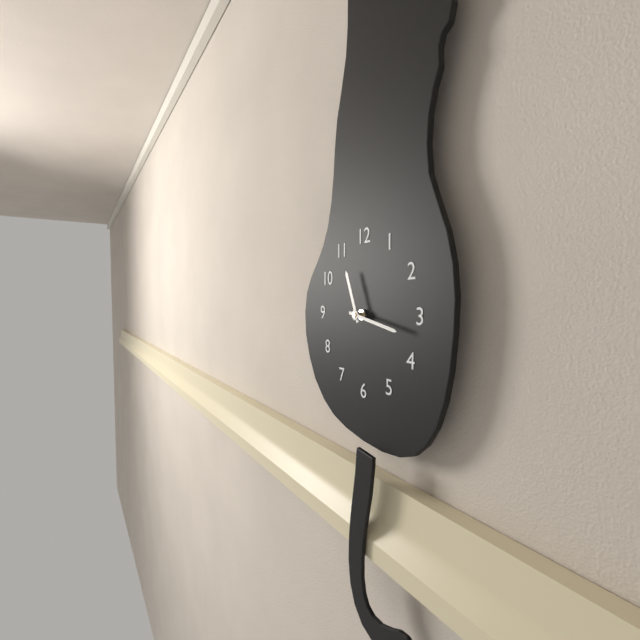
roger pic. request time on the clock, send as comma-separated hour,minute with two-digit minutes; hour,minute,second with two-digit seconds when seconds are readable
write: 11,17
